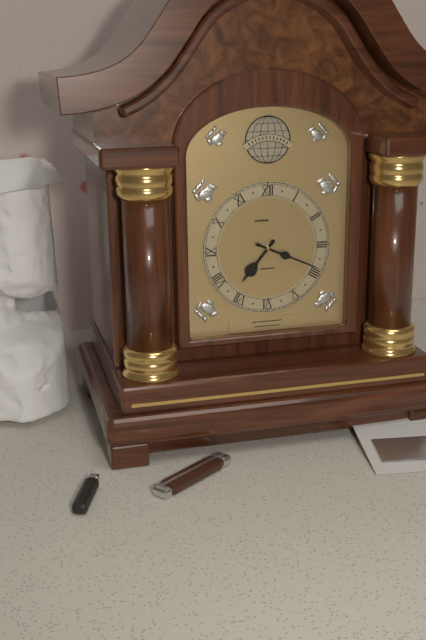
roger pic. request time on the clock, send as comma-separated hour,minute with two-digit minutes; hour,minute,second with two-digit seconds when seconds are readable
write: 7,19
